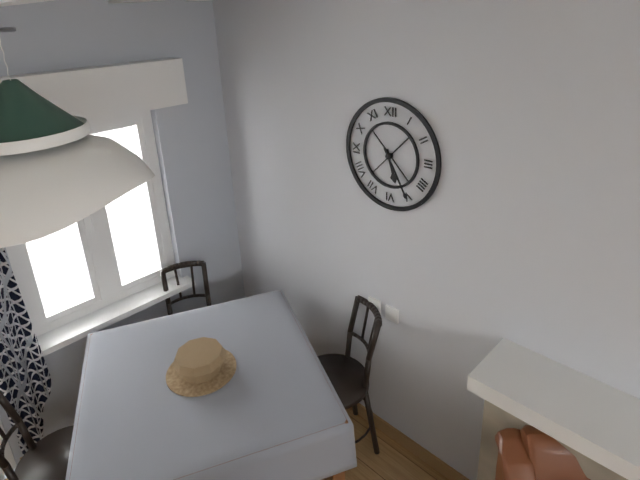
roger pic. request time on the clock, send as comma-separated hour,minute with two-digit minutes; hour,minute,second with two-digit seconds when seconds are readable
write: 5,25
